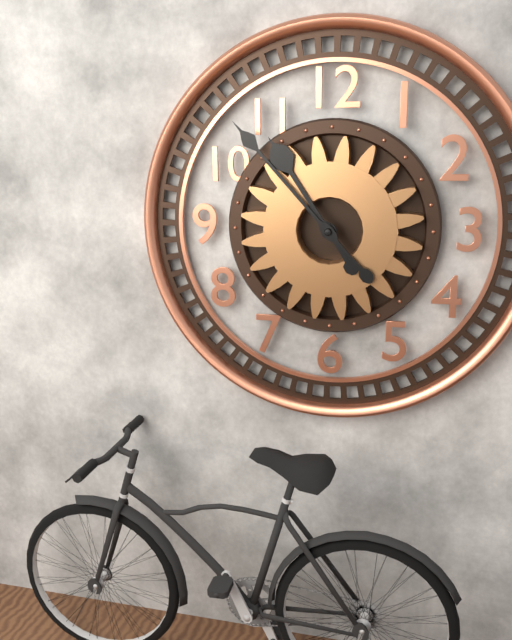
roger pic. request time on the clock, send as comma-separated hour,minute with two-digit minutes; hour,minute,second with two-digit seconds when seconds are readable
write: 10,53
